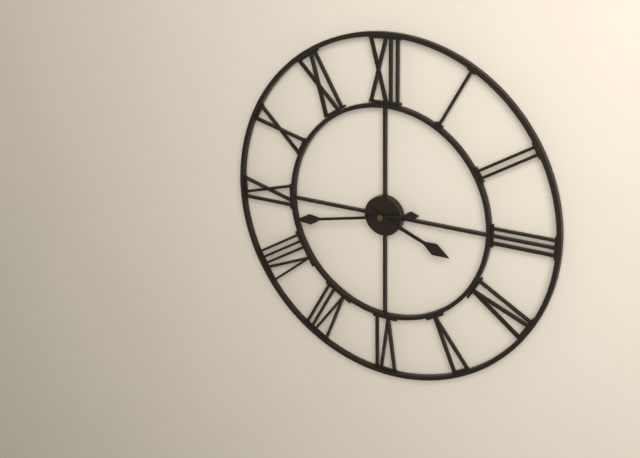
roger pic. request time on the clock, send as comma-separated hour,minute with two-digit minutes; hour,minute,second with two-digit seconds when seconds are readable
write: 3,43
